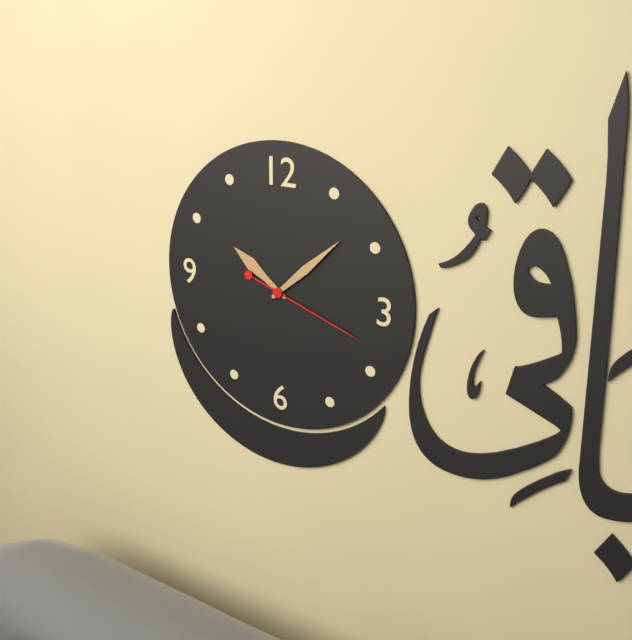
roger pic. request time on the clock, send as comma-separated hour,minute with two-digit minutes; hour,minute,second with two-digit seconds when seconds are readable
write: 10,08,18
